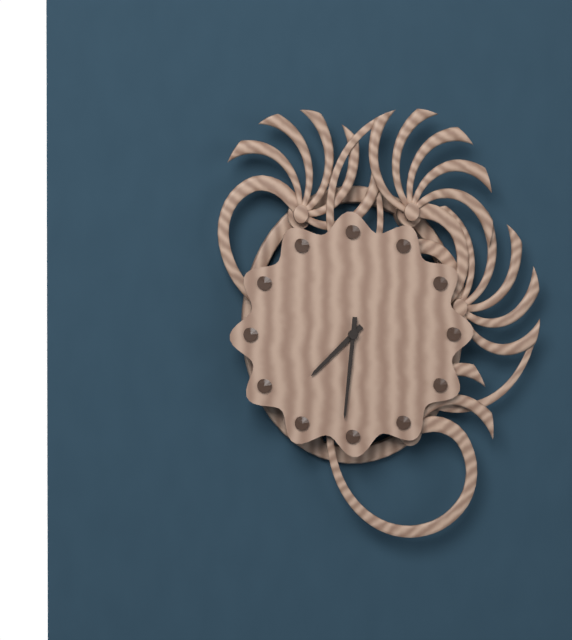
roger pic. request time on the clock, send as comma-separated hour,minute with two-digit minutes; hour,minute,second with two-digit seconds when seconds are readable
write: 7,31
